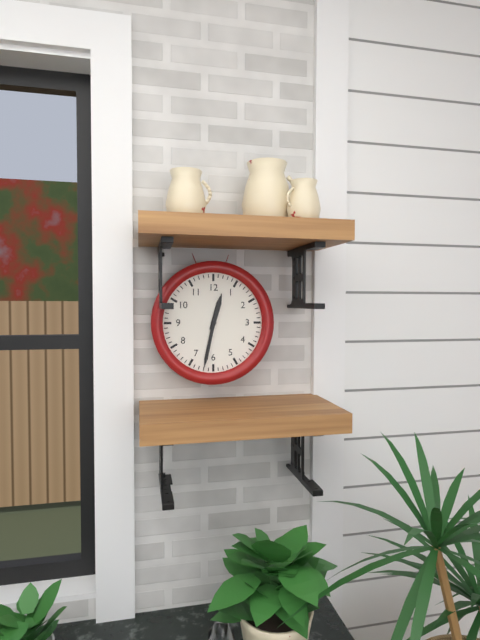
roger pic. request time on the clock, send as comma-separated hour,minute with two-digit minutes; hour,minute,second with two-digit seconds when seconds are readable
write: 12,32
